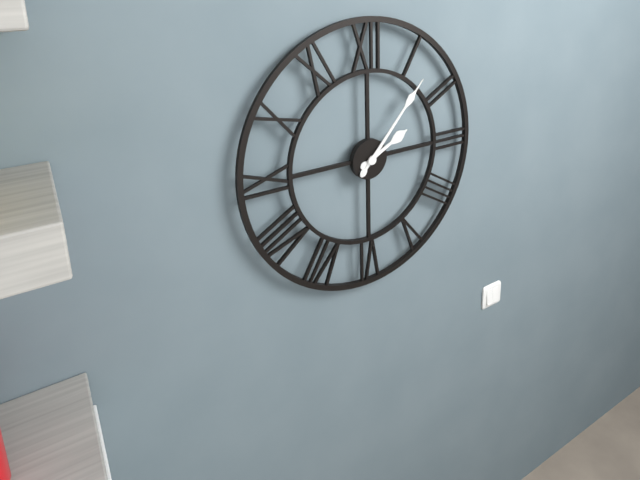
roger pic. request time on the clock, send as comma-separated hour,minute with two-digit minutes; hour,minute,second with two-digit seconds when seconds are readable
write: 2,07
